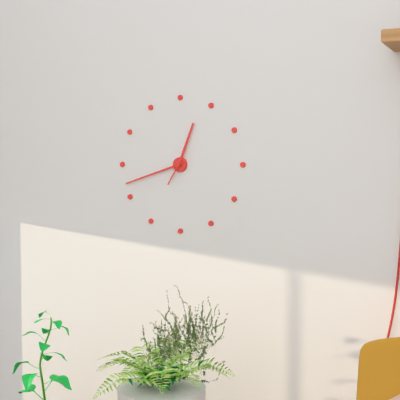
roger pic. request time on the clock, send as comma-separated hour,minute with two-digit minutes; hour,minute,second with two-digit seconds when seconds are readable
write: 12,42
